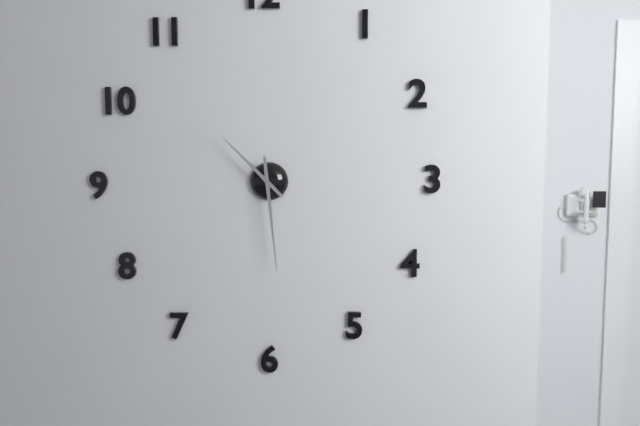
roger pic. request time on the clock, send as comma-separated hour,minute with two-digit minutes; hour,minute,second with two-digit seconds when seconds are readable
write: 10,29
